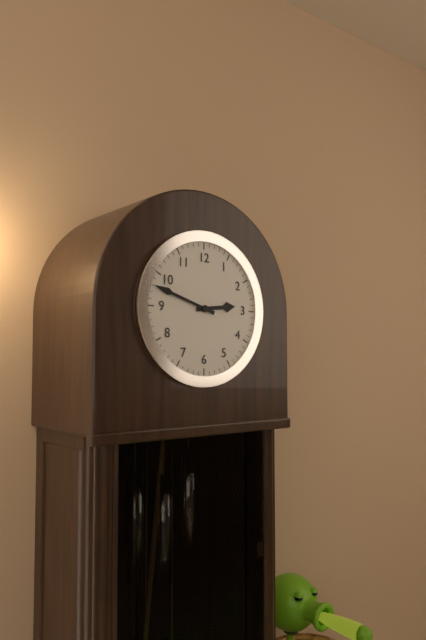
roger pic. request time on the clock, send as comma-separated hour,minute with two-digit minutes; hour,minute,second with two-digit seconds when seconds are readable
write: 2,48
